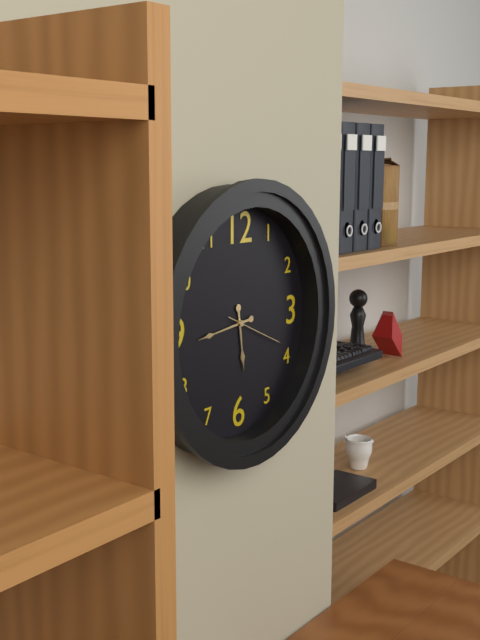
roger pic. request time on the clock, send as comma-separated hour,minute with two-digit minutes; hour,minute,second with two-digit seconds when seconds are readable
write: 5,44,19
